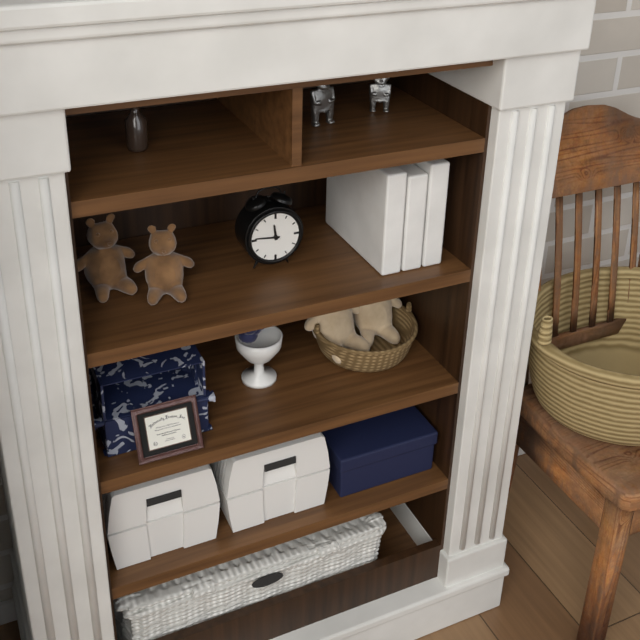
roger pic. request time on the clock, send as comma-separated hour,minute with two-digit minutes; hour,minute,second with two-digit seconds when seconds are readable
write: 11,46
